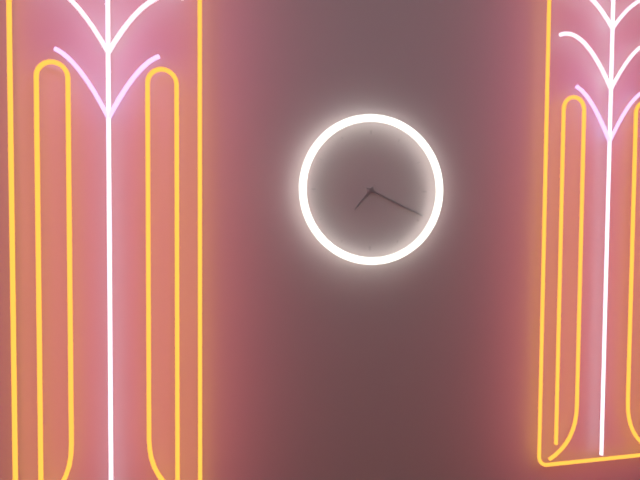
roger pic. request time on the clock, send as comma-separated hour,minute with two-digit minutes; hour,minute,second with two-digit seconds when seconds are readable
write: 7,19
